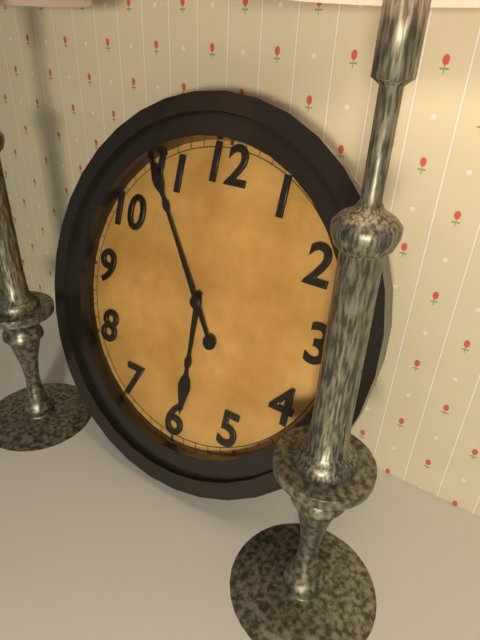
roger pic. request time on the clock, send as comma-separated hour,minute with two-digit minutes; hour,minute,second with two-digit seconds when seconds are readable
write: 5,54
